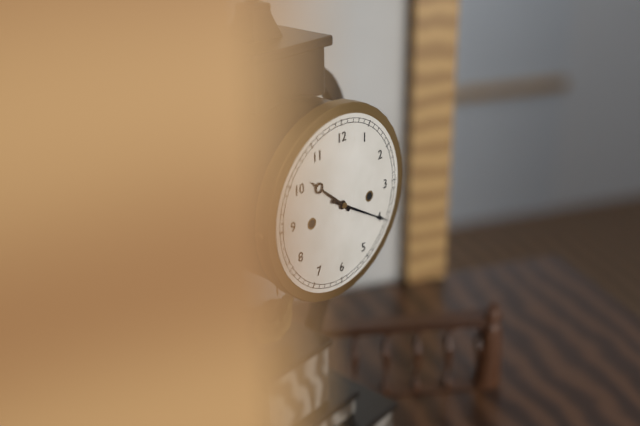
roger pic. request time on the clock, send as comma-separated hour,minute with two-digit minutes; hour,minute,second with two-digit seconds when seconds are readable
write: 10,20
